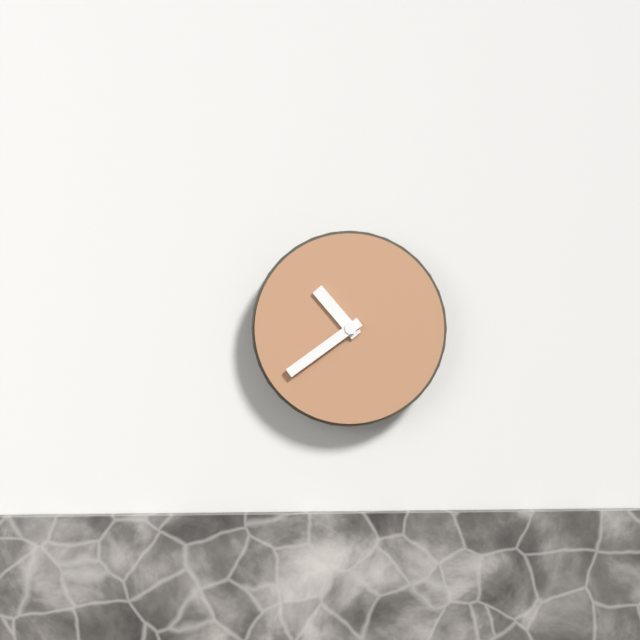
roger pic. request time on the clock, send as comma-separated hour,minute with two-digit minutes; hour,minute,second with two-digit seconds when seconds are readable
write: 10,39
